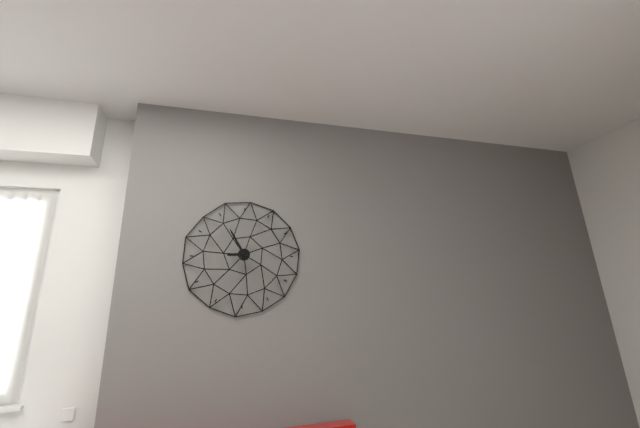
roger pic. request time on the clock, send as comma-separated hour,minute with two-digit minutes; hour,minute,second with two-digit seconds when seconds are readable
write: 8,55
